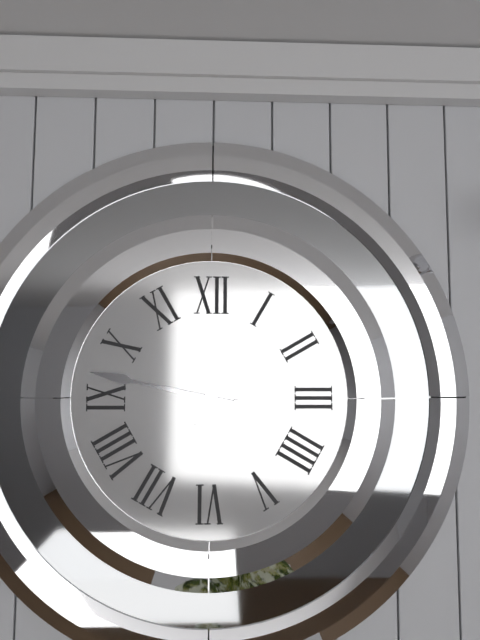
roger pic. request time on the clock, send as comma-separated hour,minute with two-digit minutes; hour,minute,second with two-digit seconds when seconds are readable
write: 12,47
